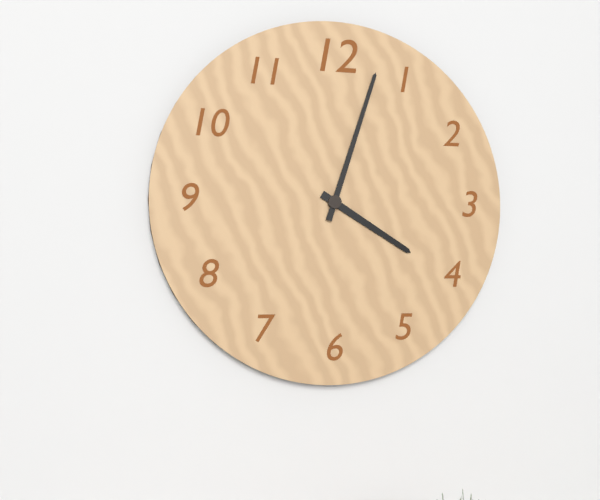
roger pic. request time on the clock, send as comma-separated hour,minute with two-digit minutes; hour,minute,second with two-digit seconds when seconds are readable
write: 4,03
